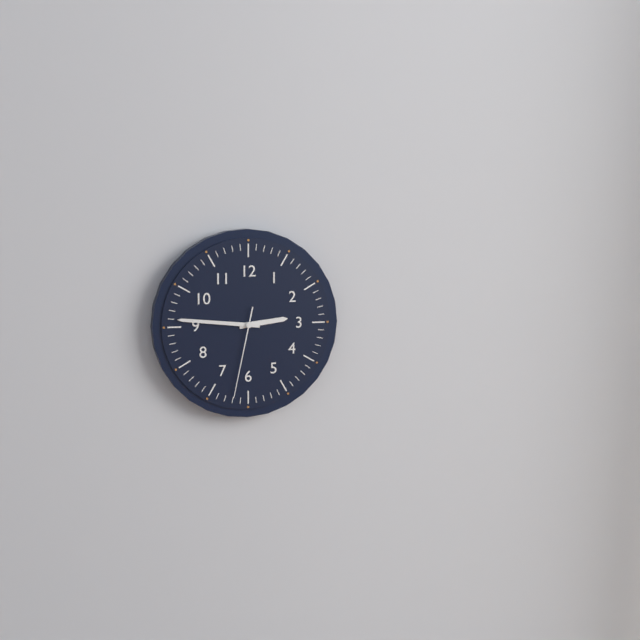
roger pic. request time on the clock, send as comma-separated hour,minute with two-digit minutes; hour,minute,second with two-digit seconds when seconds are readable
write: 2,46,32
